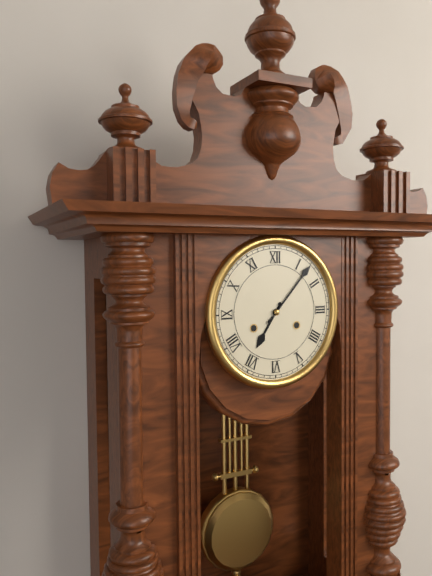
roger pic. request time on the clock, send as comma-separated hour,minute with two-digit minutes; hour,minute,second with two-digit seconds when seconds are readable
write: 7,07
